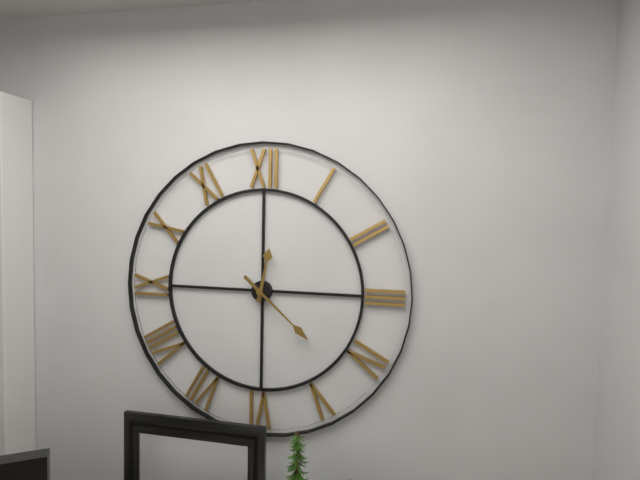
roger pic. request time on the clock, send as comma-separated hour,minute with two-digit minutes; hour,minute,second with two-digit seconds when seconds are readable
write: 12,22
